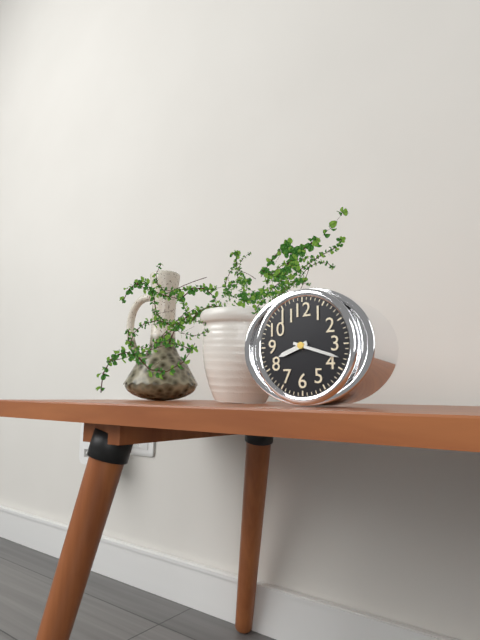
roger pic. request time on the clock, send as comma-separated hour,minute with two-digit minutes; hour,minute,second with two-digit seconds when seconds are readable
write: 8,18
